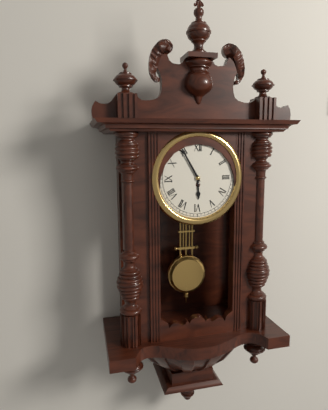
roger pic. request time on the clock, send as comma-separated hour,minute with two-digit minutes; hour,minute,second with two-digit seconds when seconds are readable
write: 5,55
